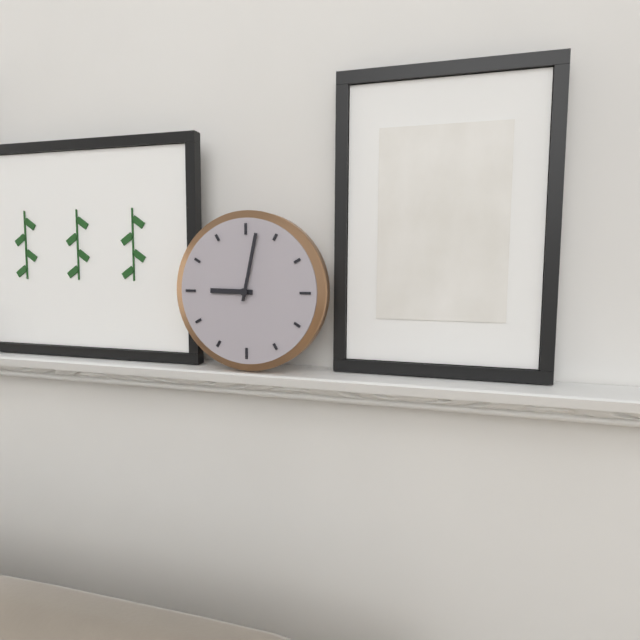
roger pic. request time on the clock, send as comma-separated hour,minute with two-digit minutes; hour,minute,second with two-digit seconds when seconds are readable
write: 9,02
